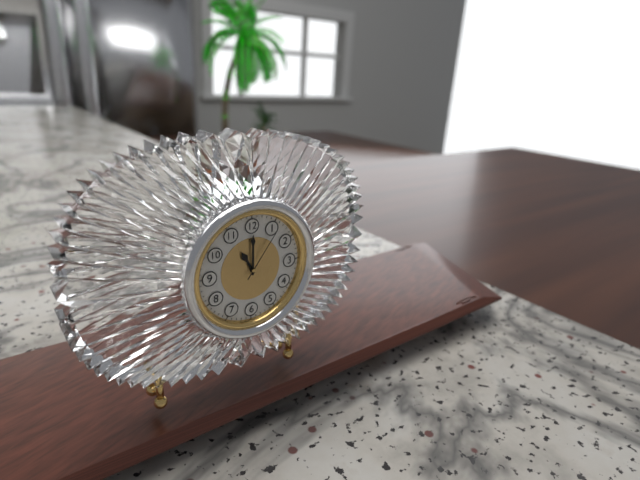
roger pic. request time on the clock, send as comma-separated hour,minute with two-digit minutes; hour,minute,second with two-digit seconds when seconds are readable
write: 11,00,06
